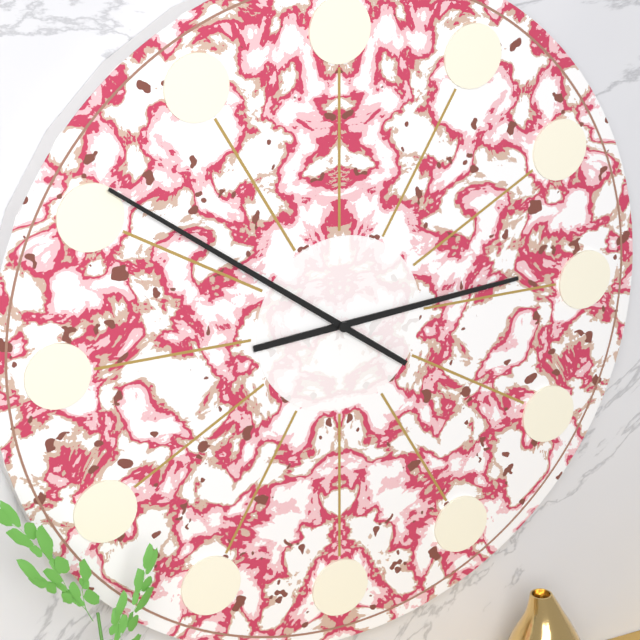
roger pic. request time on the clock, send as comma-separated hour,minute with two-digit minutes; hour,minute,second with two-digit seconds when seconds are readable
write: 2,51
